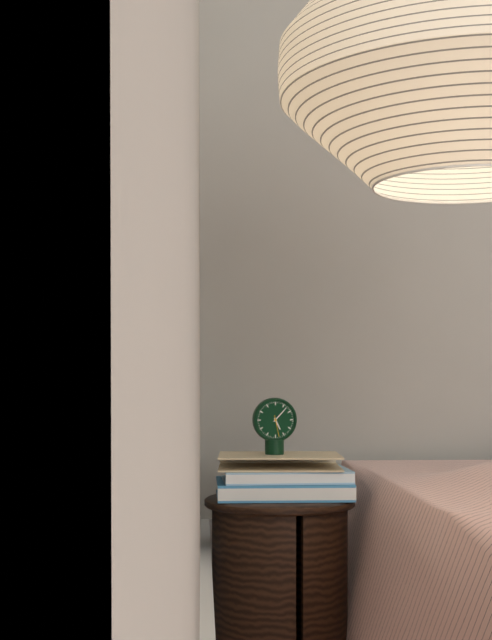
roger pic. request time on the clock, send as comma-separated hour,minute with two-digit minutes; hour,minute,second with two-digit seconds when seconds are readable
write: 5,07
